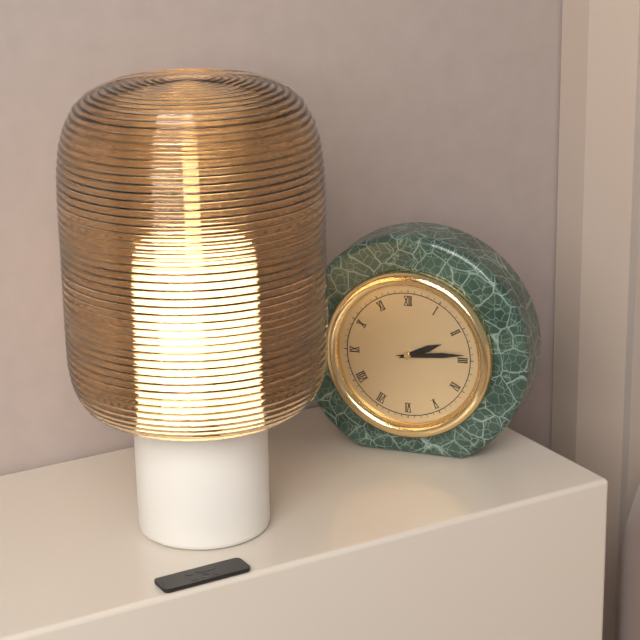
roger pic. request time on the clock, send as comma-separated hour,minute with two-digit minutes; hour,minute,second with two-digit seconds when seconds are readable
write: 2,14
